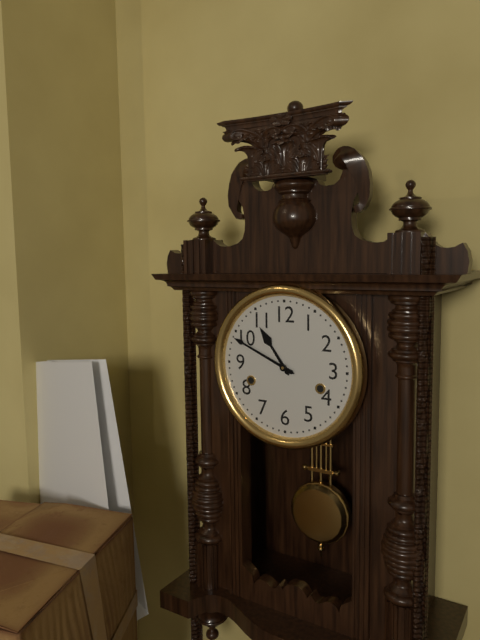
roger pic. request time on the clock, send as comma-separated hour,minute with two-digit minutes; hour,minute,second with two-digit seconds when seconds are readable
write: 10,49
